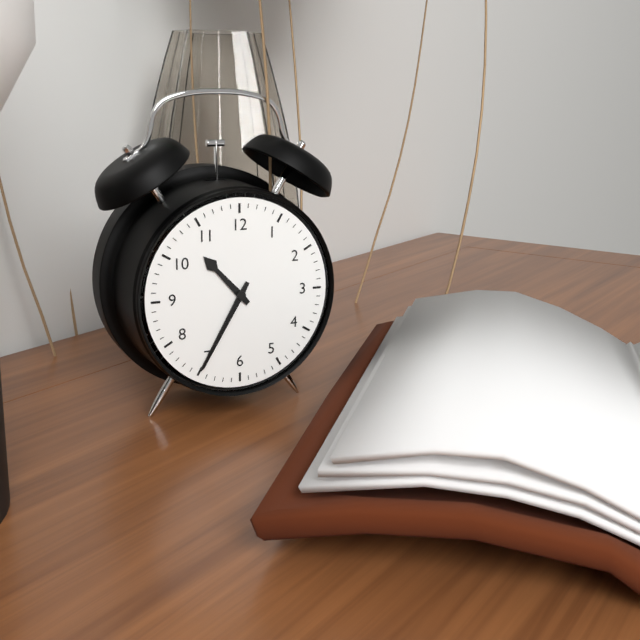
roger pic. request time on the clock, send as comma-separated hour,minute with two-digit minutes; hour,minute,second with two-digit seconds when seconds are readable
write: 10,35
